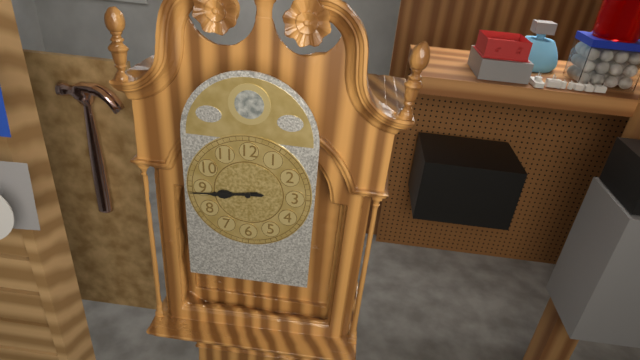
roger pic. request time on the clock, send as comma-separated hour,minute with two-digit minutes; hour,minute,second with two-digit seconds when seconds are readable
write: 8,44
